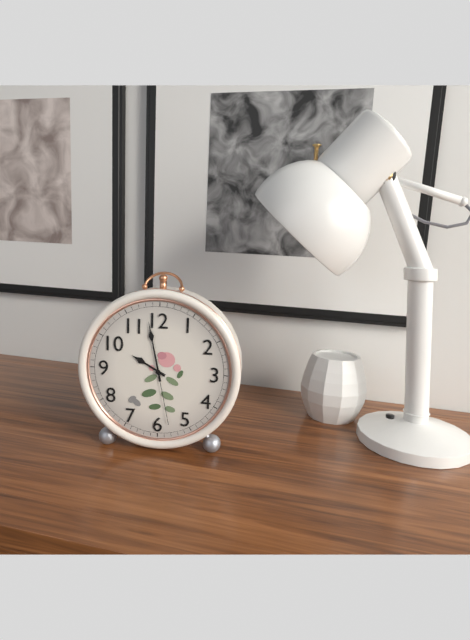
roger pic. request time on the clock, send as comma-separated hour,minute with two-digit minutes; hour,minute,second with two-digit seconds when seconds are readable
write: 9,58,28
